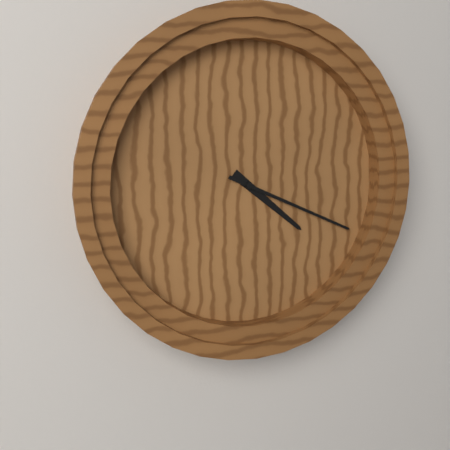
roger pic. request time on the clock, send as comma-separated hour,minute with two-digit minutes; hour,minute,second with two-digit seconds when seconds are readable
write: 4,19
